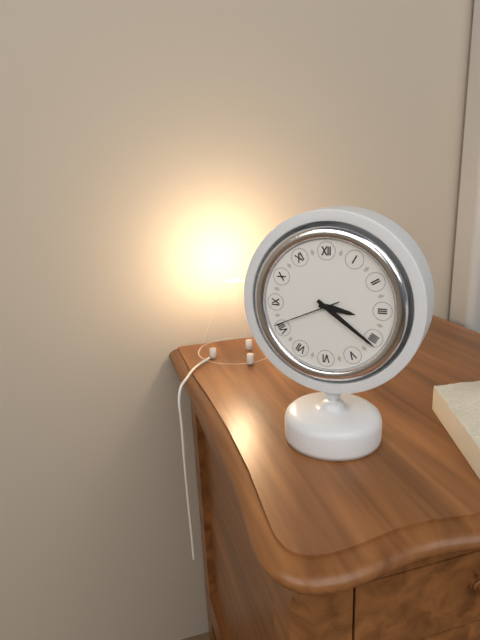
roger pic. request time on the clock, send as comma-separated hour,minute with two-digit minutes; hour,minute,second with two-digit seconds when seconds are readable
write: 3,21,41
